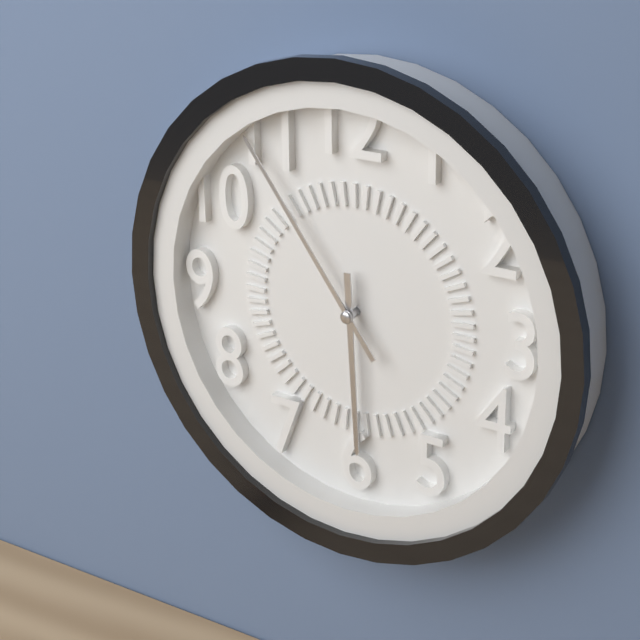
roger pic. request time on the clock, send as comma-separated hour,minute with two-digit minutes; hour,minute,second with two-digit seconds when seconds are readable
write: 5,54
